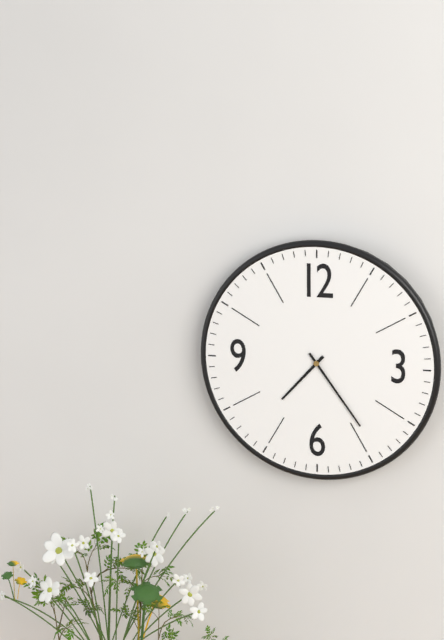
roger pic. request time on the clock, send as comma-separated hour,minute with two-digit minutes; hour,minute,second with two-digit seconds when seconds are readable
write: 7,24
